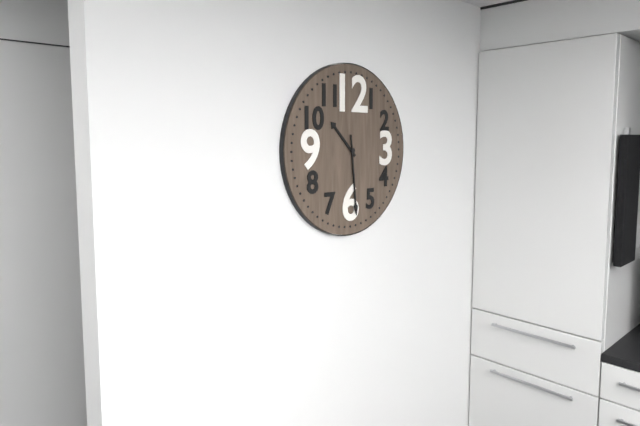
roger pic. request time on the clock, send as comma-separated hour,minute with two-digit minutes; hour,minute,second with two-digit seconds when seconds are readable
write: 10,29
